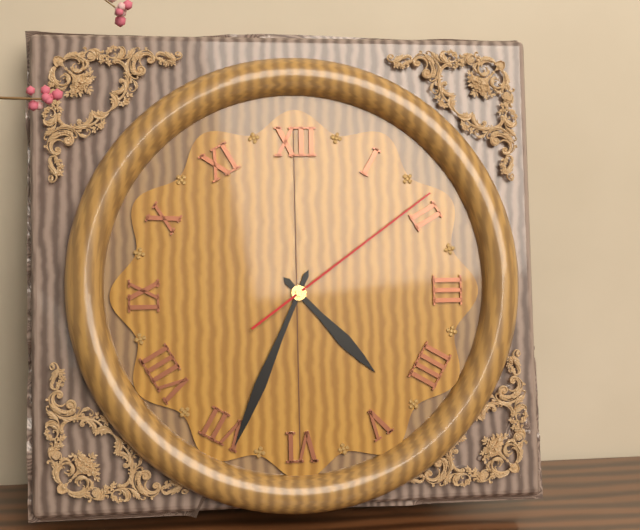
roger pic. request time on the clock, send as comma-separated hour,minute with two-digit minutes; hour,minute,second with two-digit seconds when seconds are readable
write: 4,34,09
